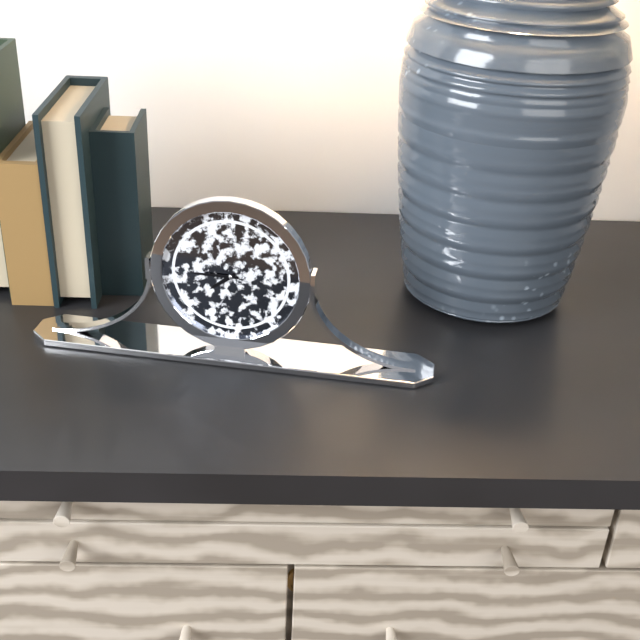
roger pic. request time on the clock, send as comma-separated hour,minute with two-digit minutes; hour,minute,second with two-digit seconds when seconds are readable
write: 7,45
